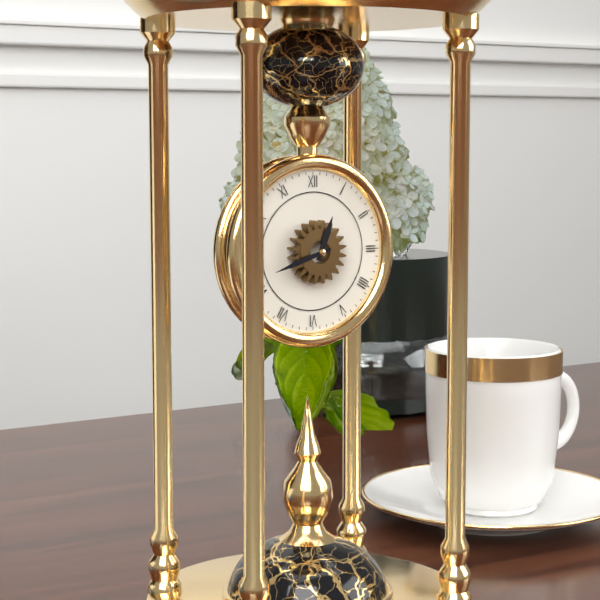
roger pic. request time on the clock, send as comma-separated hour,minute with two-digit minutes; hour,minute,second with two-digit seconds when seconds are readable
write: 12,42
